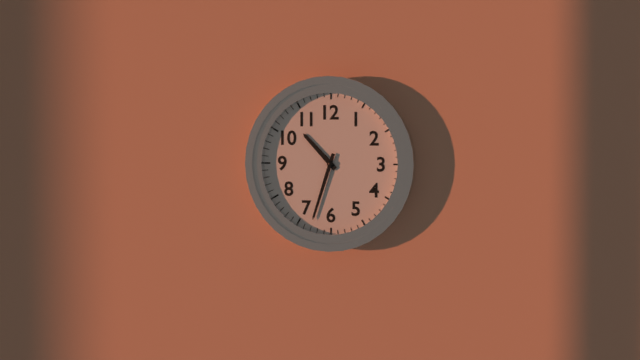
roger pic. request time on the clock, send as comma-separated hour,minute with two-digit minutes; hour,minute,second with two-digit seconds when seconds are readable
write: 10,33
